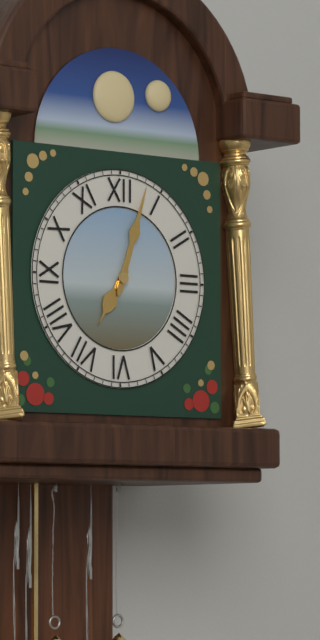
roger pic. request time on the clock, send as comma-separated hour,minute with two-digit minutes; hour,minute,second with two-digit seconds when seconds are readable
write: 7,03
